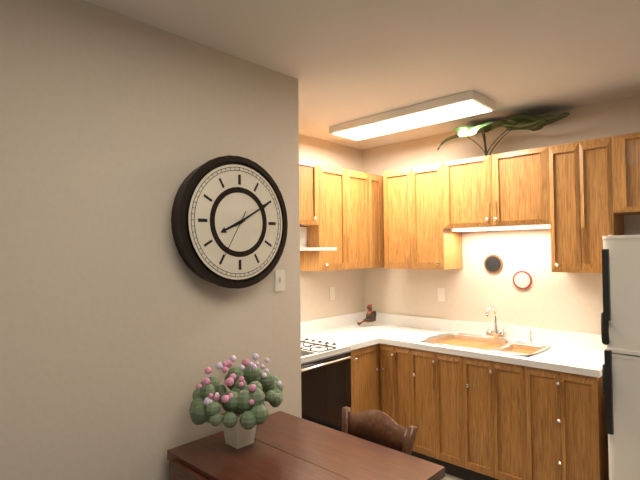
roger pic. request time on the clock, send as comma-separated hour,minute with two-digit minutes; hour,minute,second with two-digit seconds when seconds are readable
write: 8,10,35
